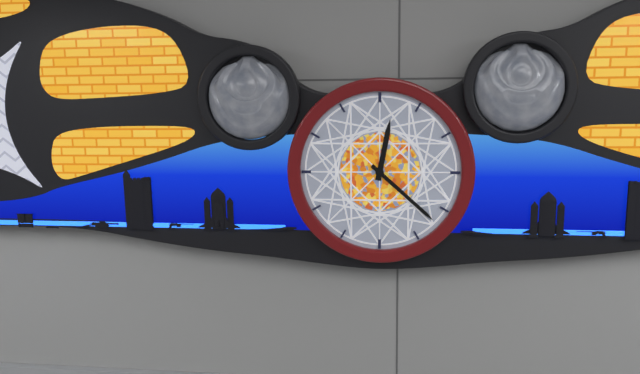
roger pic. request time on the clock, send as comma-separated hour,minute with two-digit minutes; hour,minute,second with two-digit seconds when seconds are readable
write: 12,22
